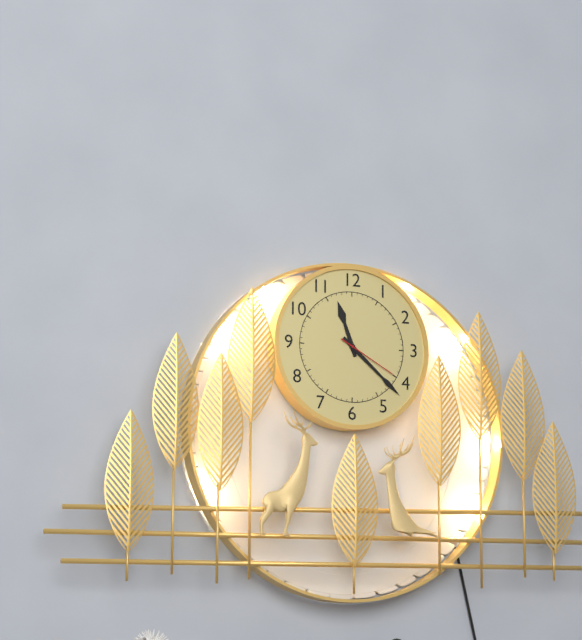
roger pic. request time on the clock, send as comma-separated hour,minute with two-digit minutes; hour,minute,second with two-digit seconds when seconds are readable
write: 11,22,20
